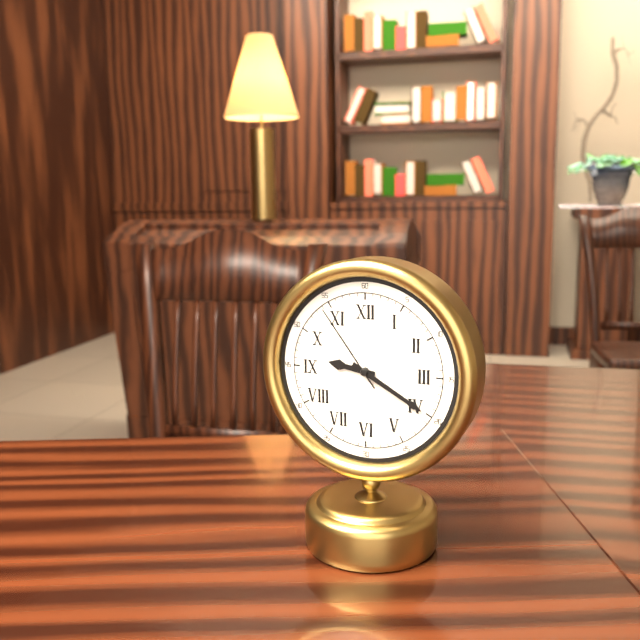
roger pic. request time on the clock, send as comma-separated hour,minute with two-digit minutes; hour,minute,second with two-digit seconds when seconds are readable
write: 9,20,54
